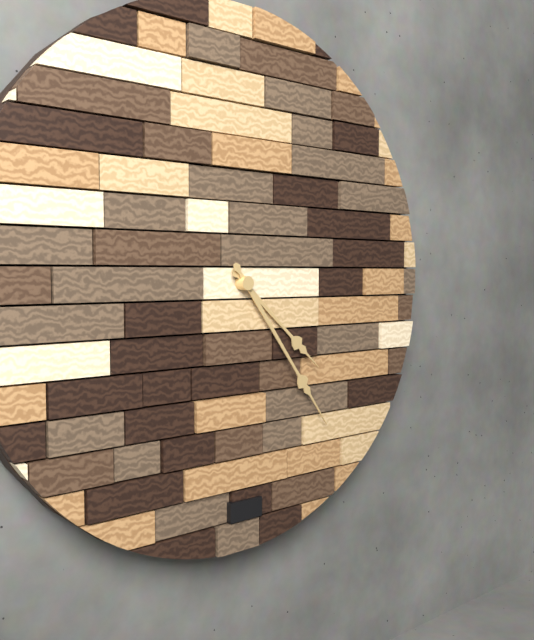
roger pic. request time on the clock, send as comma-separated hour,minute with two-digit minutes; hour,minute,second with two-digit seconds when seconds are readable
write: 4,24
